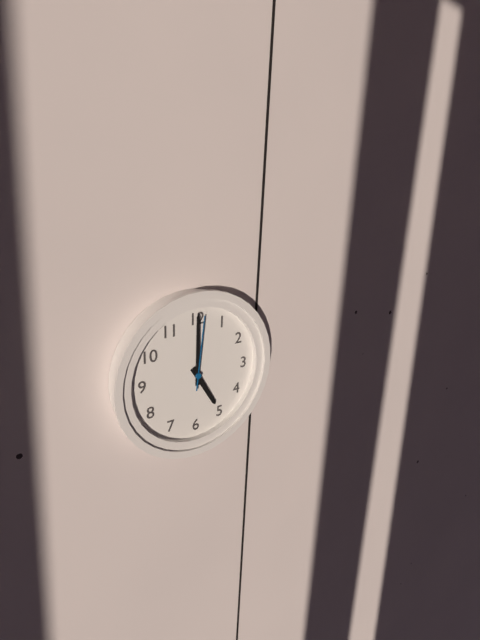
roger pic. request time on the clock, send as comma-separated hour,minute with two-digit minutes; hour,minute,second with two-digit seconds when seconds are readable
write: 5,00,01
